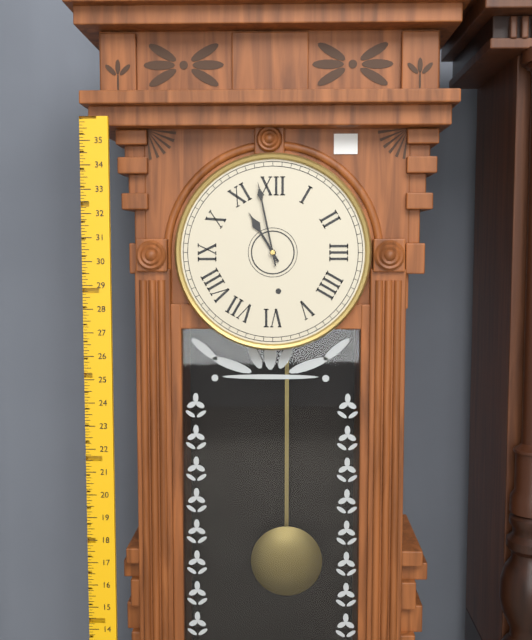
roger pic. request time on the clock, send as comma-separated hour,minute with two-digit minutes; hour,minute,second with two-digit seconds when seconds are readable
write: 10,58
